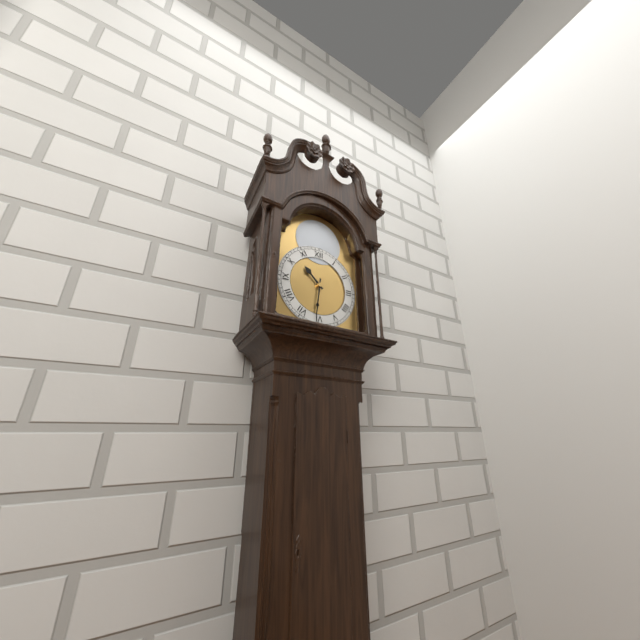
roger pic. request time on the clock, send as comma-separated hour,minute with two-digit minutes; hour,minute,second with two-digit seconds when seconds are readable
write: 10,31
